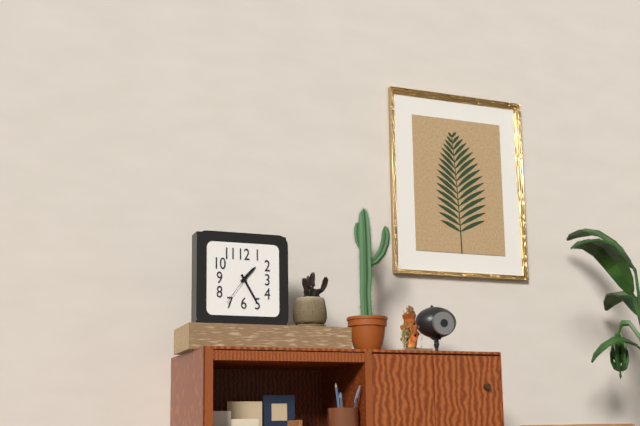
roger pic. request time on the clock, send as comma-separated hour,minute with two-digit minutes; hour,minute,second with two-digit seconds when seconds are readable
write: 1,25
